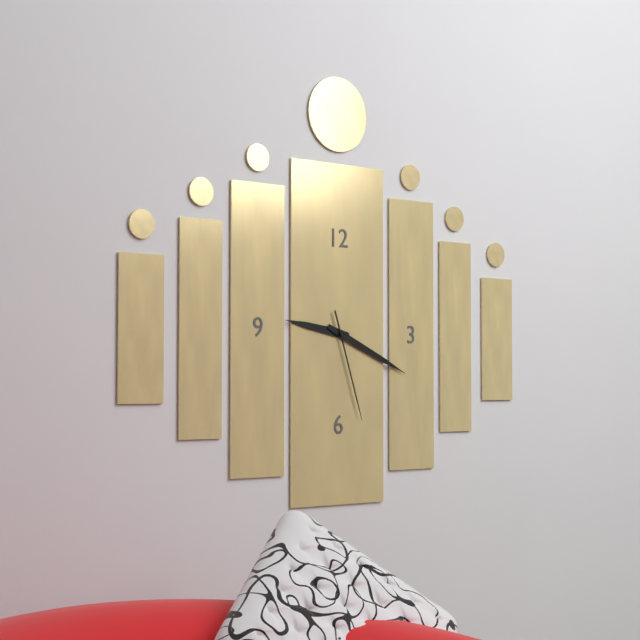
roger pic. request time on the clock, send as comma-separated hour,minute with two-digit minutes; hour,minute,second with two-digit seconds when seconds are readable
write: 9,19,27
